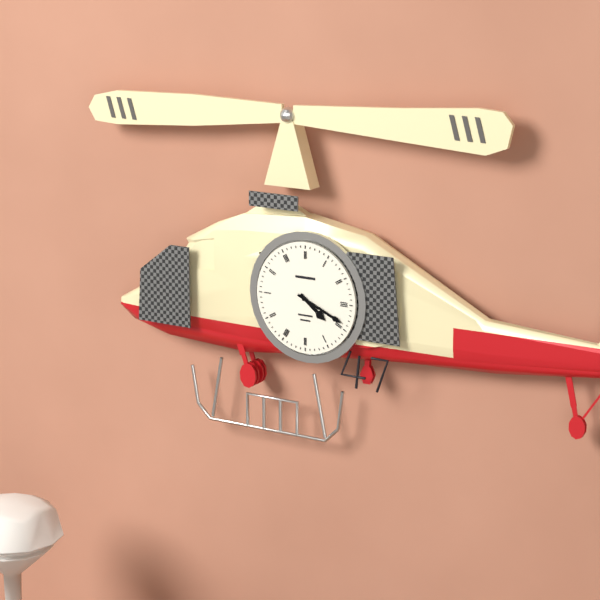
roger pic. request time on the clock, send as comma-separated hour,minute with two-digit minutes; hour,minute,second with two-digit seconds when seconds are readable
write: 4,19
